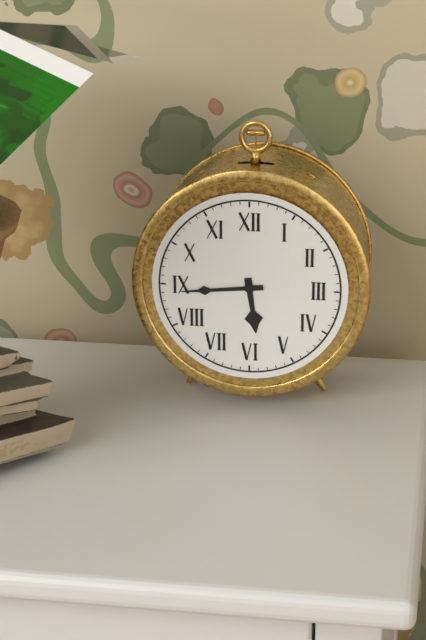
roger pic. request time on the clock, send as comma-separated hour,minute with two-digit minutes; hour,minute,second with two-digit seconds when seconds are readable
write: 5,44
